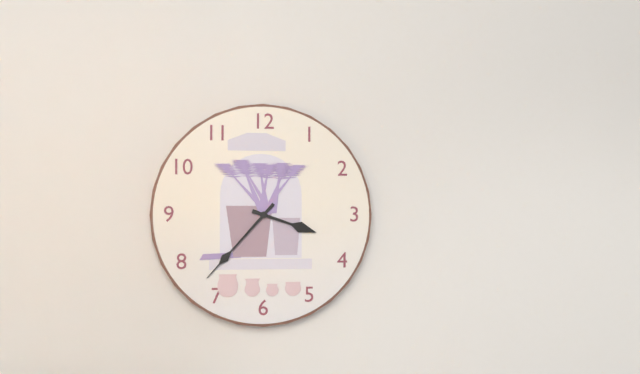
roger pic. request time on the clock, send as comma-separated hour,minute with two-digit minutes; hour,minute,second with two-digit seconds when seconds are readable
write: 3,37
